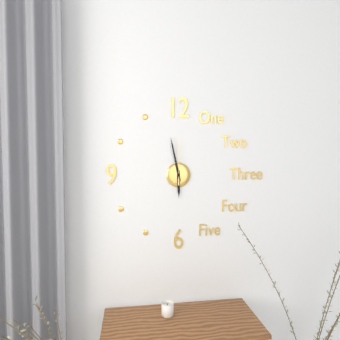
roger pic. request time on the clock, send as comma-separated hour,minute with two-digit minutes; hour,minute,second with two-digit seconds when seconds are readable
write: 5,58
